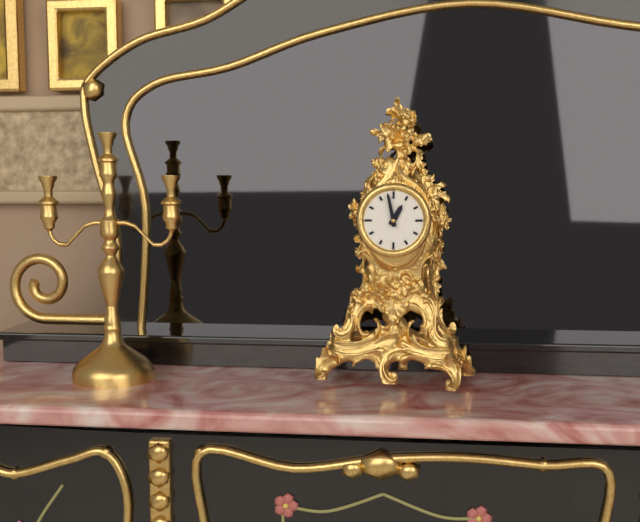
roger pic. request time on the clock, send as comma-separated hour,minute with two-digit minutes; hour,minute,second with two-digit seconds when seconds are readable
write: 12,58
